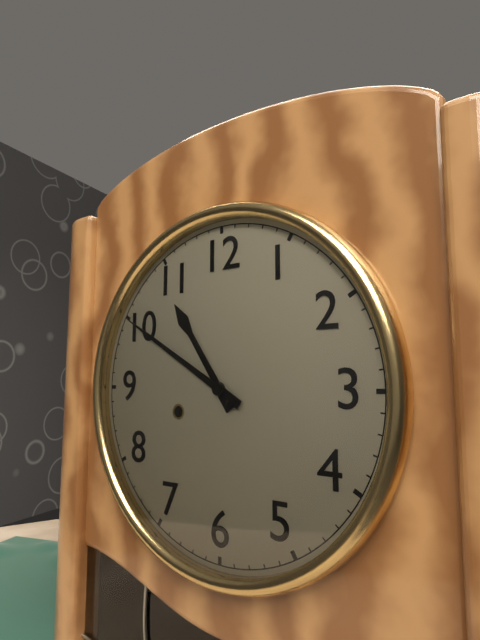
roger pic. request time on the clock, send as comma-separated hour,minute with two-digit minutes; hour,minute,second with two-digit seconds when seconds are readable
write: 10,50
